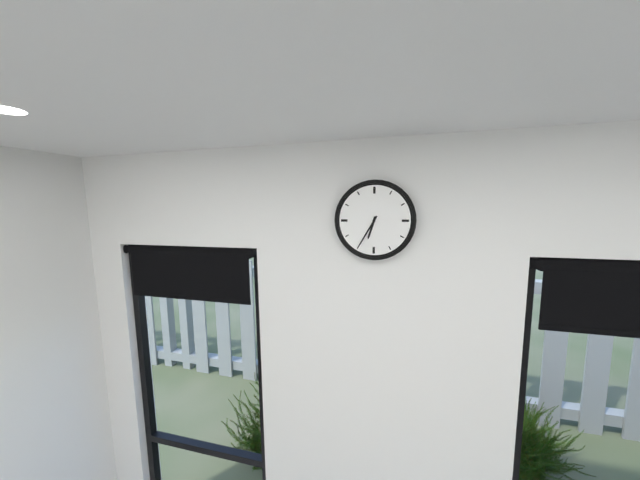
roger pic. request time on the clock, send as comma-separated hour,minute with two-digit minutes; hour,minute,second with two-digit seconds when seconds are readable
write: 6,35
